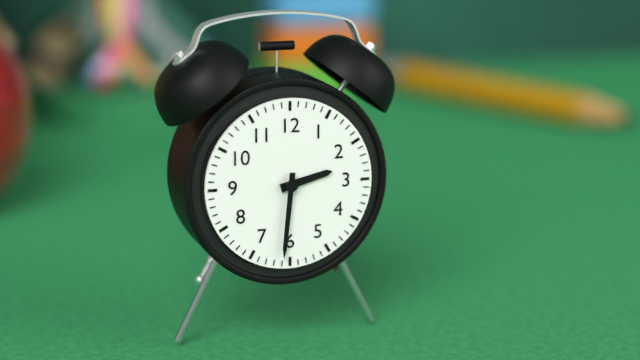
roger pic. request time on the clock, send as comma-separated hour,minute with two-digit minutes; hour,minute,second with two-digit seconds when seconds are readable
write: 2,31
